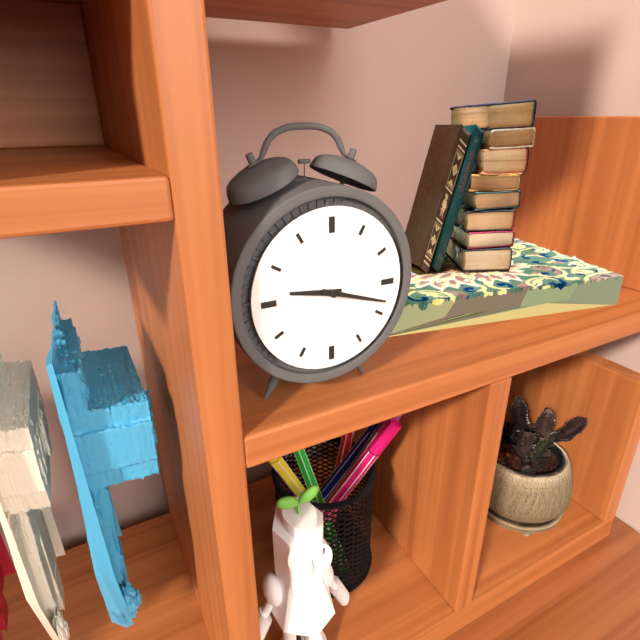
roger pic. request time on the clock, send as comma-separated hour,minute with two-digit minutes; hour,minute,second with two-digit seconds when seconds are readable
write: 9,18
